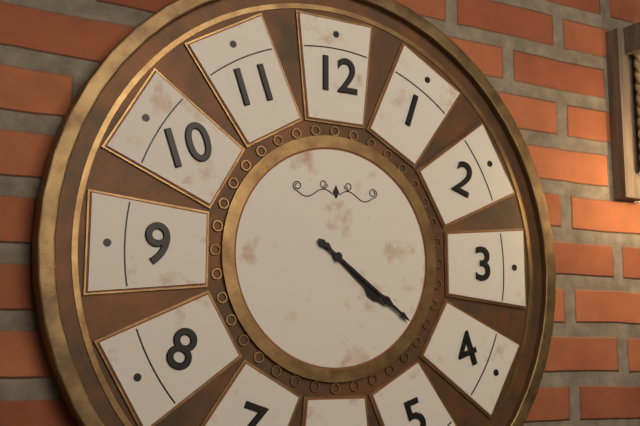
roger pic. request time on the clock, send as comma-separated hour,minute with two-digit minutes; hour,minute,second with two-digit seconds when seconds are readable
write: 4,21
